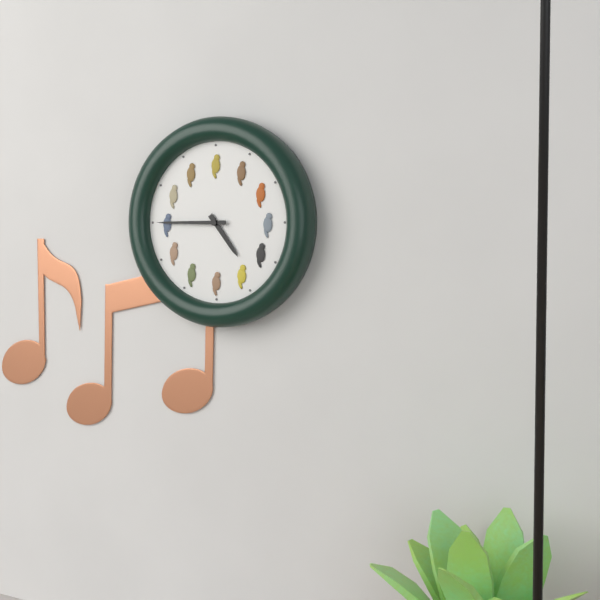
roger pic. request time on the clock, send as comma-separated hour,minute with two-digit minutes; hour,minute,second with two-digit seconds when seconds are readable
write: 4,45
